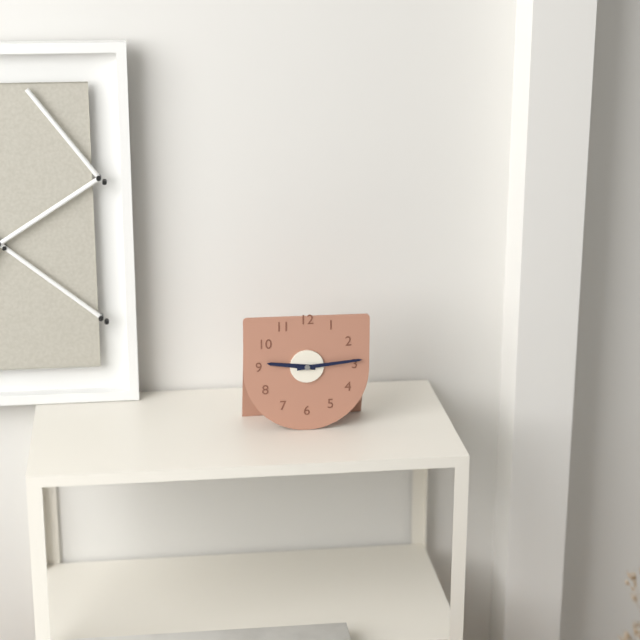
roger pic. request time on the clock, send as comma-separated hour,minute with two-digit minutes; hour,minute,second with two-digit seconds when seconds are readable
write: 9,14
